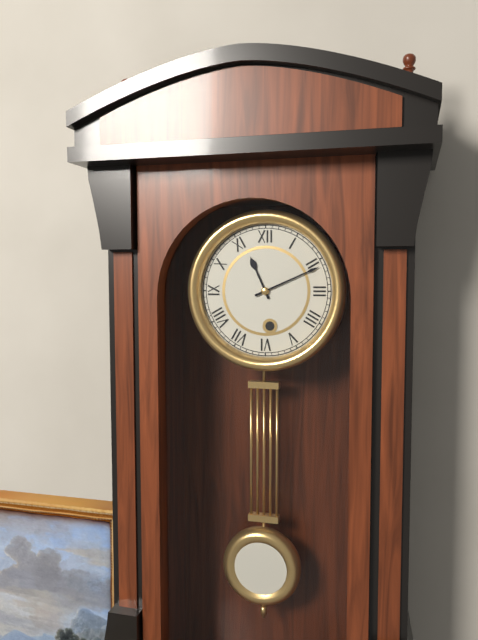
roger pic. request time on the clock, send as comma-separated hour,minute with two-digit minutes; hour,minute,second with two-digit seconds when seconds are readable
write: 11,11
